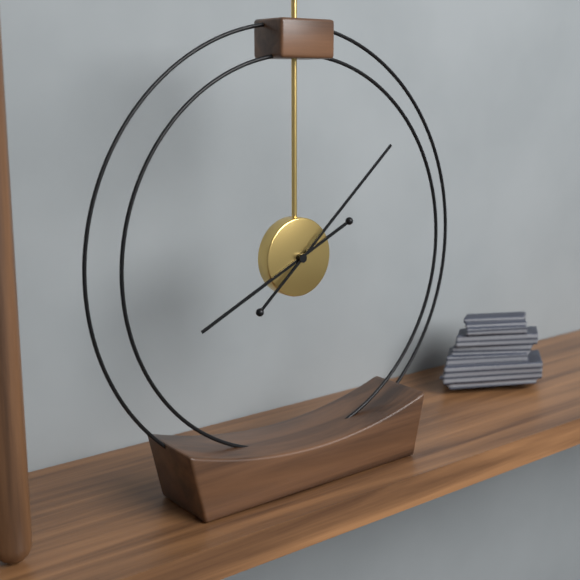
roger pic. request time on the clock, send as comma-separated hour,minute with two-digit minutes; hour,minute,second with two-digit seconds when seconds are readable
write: 8,08
